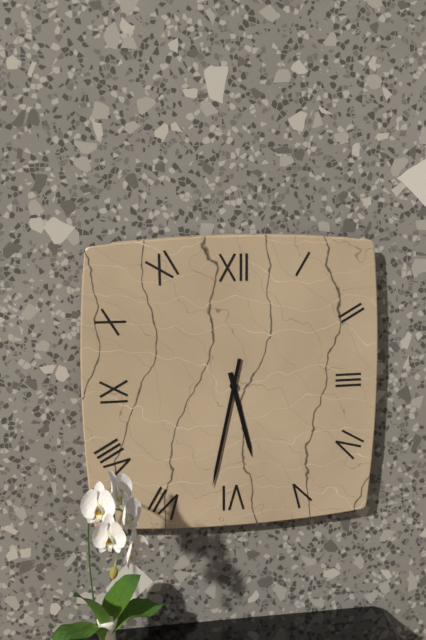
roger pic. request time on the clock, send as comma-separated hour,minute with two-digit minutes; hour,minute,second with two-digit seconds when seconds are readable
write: 5,32
